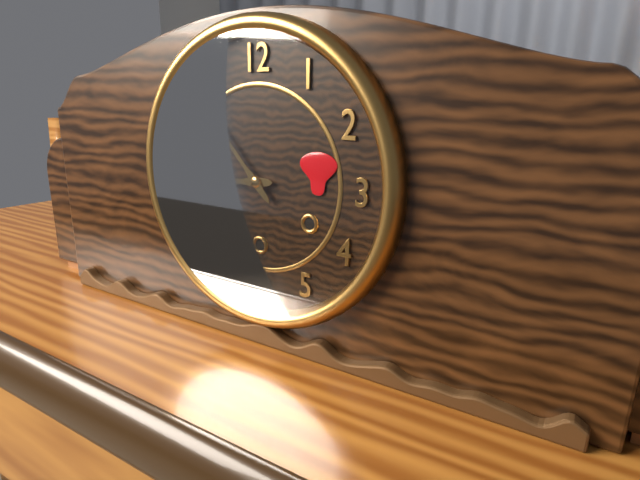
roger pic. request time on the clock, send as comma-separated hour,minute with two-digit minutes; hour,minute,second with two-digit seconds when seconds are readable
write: 8,53
